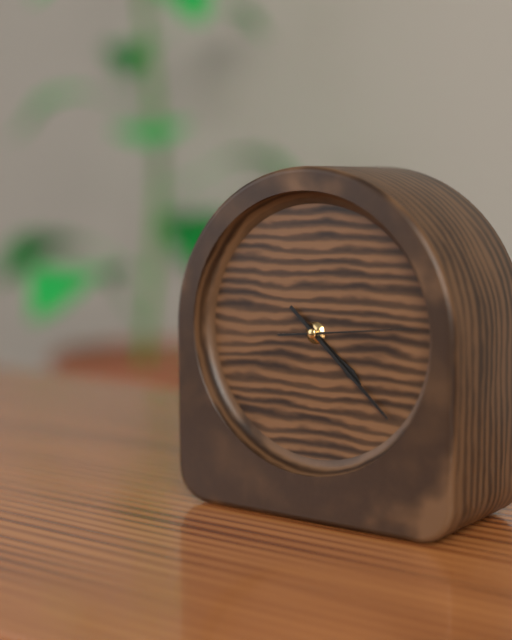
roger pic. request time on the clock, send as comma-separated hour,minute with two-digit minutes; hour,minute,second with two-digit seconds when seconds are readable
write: 4,22,14
